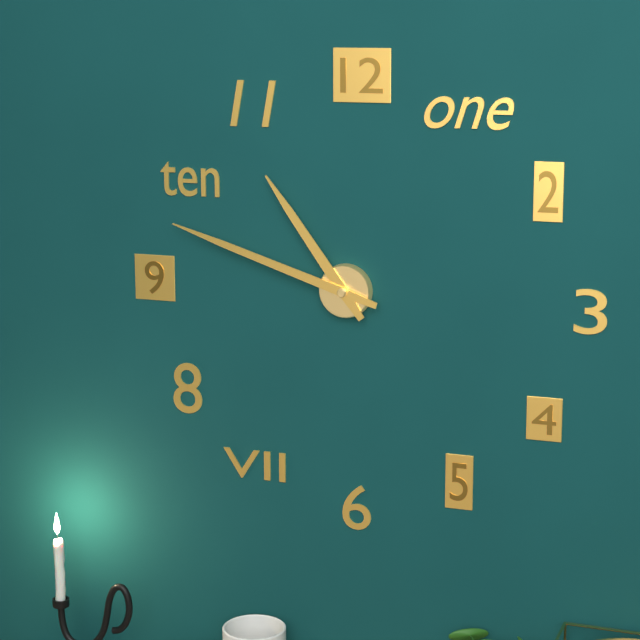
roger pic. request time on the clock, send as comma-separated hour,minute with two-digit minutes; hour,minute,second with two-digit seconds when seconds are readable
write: 10,48
